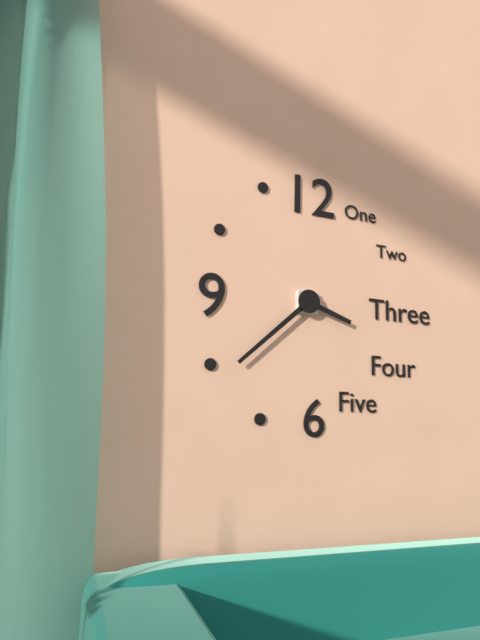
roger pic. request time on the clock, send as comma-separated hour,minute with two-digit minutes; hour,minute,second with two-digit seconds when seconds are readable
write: 3,38
